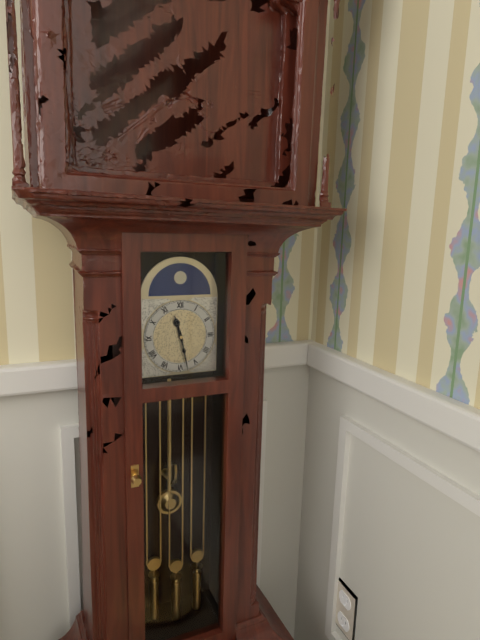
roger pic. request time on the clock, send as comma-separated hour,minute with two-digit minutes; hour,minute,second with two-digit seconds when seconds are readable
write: 11,28
